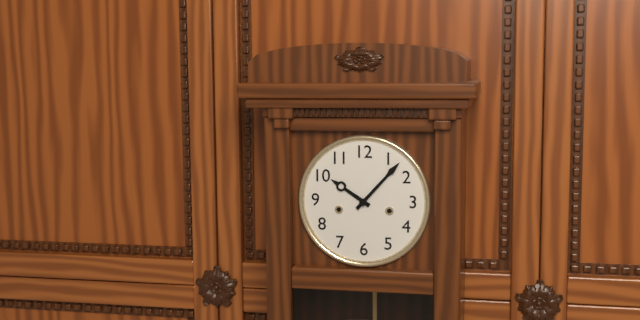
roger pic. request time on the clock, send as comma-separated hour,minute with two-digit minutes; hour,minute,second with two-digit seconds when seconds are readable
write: 10,07
